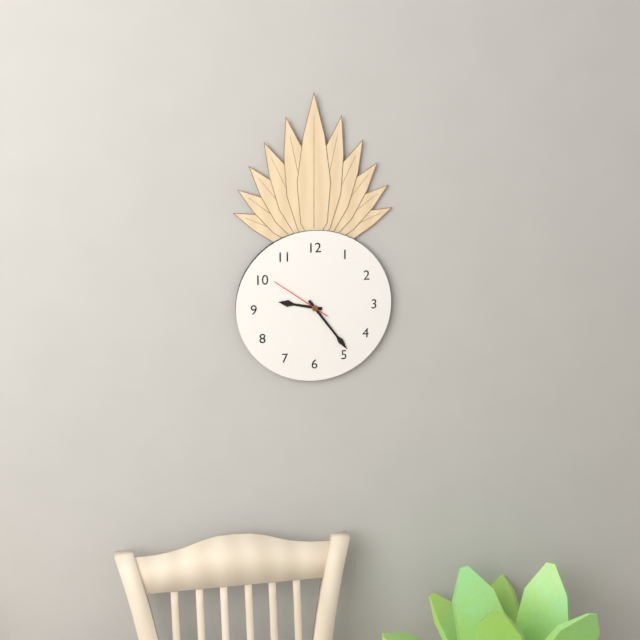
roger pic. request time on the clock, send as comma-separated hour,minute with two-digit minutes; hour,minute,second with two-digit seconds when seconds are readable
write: 9,24,51
